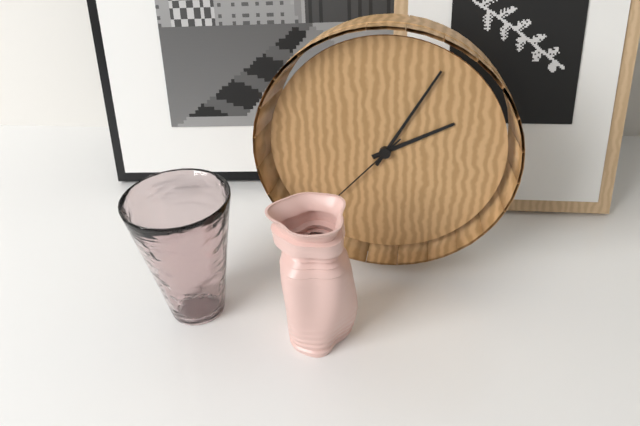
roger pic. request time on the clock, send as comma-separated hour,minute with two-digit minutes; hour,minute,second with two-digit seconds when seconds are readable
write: 2,05
